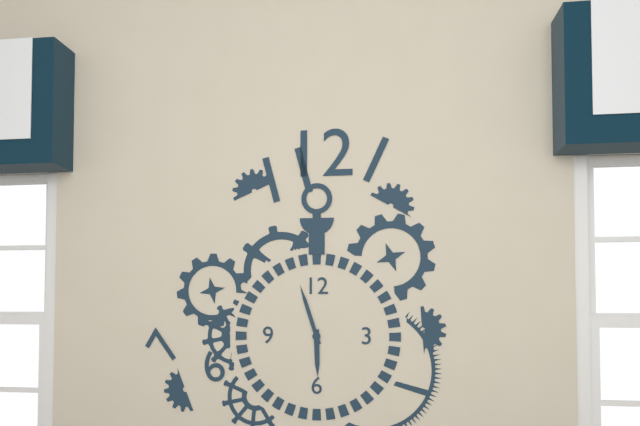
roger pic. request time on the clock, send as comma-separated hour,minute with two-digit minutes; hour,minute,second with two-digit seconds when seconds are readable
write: 5,57
